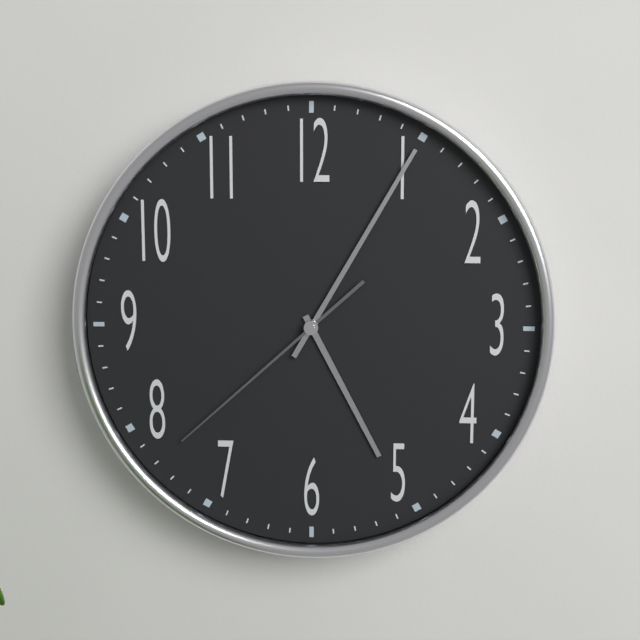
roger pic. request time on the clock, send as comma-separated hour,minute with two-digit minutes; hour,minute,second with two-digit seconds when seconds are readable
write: 5,05,38
